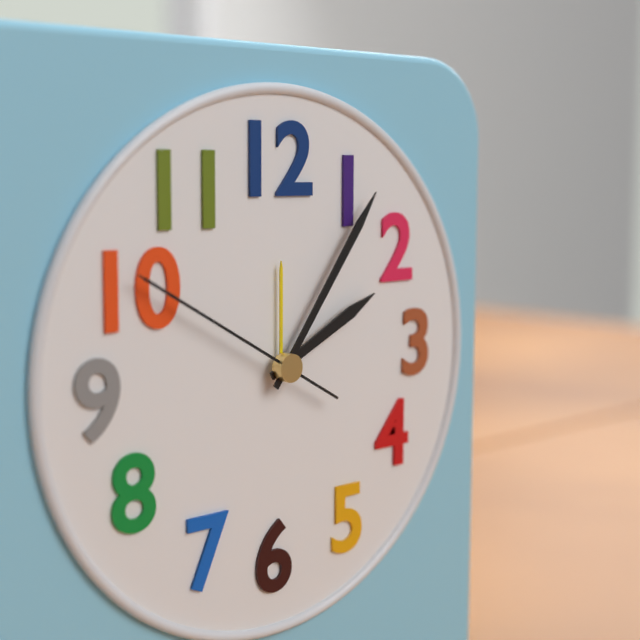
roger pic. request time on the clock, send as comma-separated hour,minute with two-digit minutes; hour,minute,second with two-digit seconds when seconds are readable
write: 2,06,50
